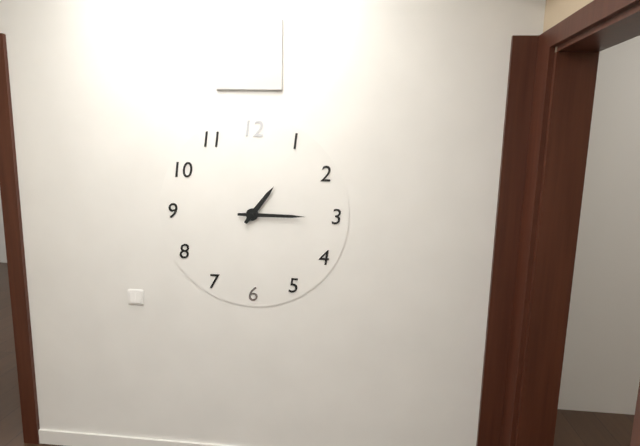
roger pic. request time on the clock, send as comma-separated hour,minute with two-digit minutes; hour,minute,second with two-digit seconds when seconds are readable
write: 1,15
